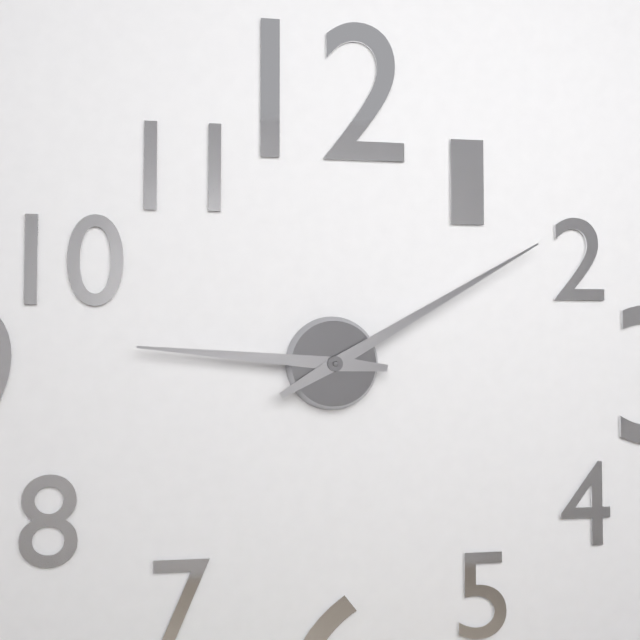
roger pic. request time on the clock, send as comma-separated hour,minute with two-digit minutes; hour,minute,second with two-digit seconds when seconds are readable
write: 9,10
